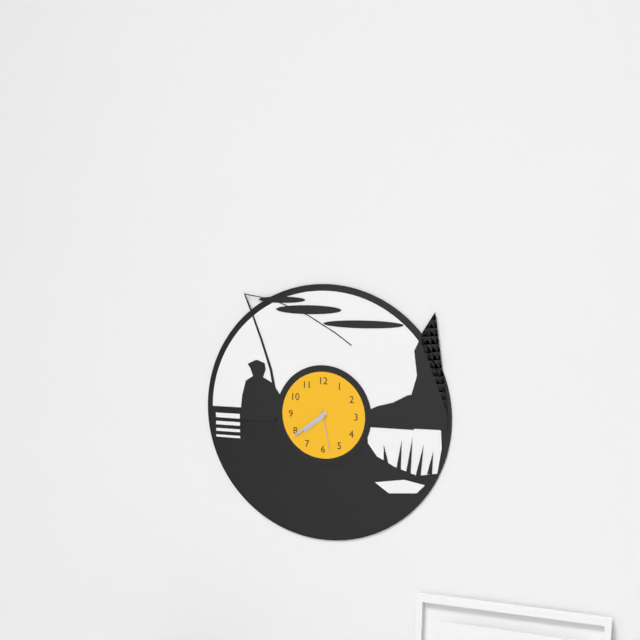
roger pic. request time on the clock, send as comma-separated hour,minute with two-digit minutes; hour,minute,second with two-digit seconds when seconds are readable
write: 7,39
